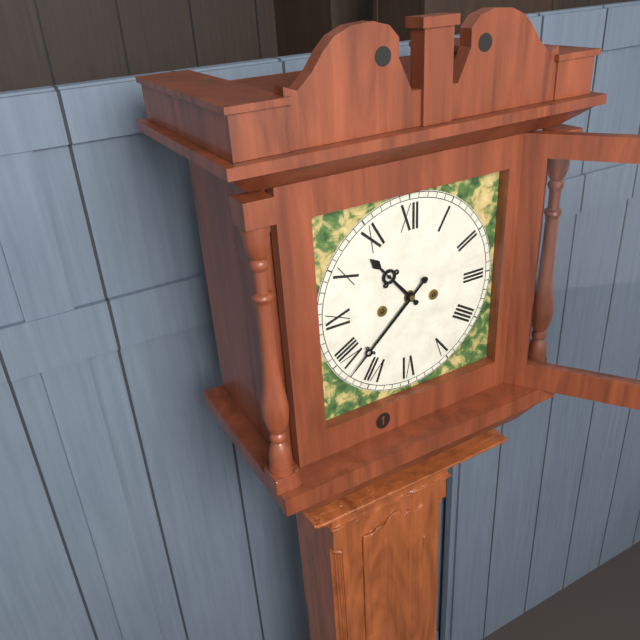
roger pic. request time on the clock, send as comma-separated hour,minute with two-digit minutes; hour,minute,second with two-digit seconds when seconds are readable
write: 10,38
